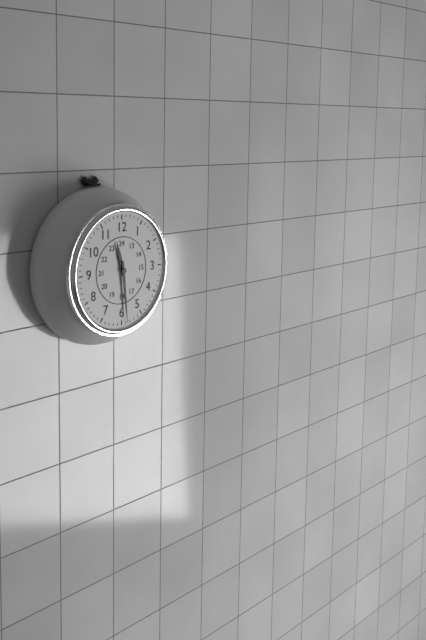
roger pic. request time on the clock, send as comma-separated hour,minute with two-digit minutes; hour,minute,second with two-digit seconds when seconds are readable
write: 11,29
